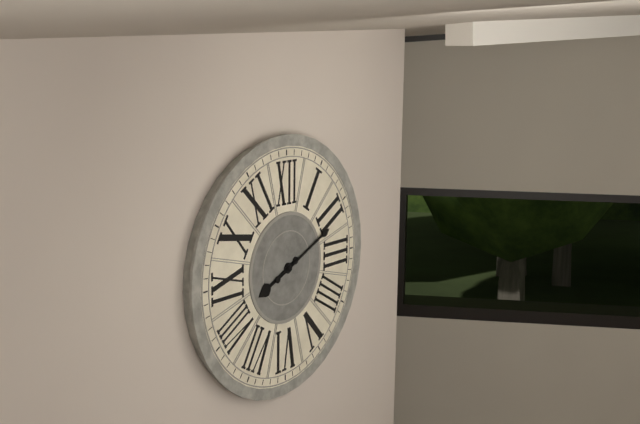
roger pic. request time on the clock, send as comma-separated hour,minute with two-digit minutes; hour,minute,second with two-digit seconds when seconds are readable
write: 8,11
